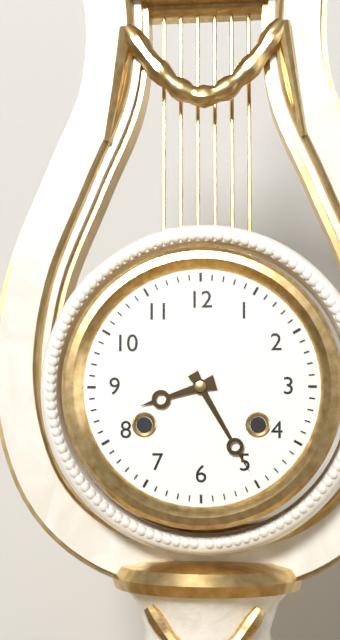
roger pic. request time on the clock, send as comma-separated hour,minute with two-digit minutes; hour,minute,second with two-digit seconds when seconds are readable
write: 8,25
